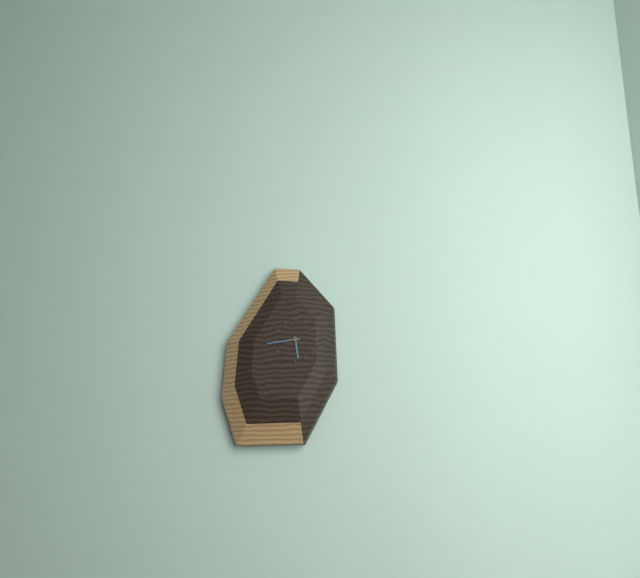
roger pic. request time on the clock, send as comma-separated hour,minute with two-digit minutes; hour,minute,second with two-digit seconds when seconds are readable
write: 5,44
